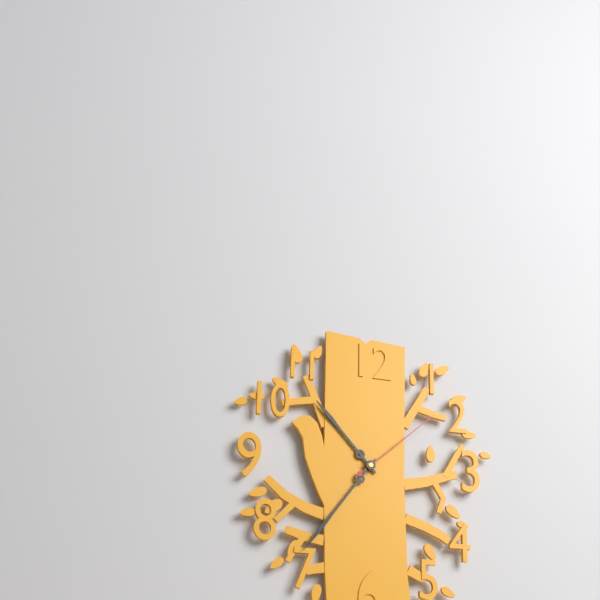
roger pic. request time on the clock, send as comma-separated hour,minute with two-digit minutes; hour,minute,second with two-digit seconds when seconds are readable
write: 10,36,08
